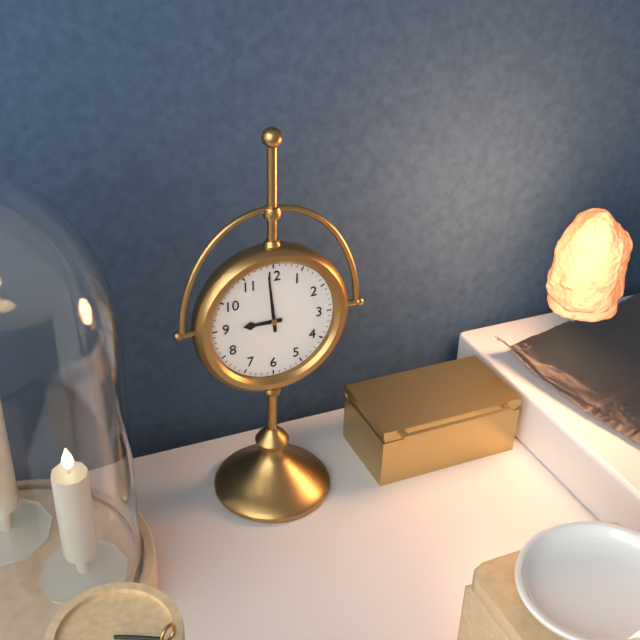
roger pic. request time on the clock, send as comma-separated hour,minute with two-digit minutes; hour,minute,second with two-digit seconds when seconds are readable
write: 8,59
